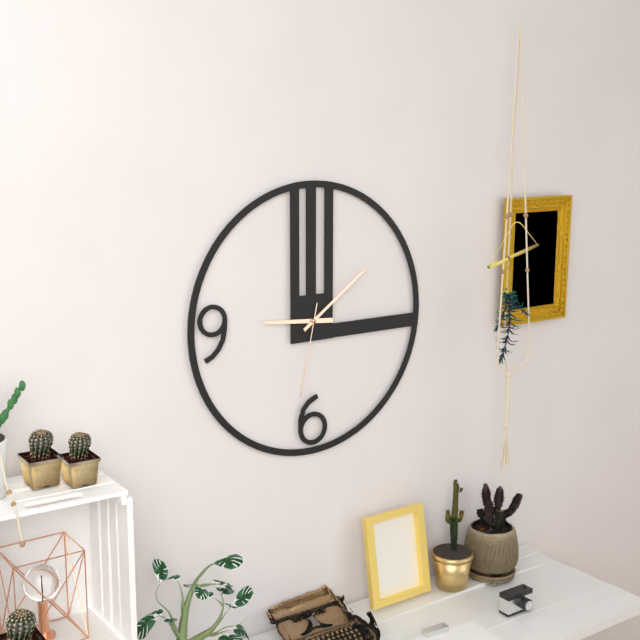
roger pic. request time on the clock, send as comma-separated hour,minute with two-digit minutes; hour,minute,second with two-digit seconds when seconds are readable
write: 9,09,32
